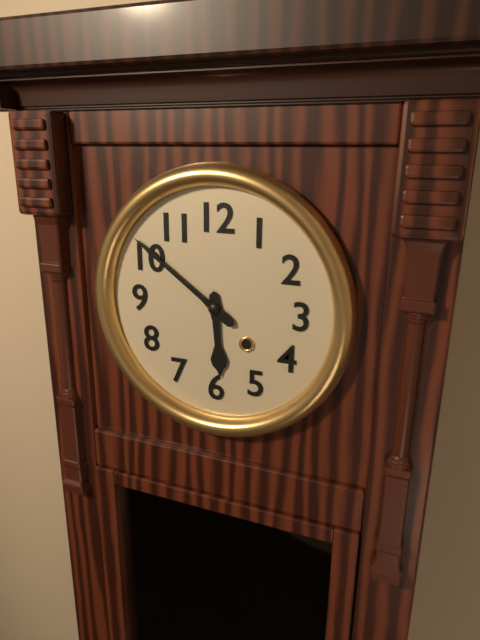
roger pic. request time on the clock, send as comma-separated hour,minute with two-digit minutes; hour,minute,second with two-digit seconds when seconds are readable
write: 5,51
